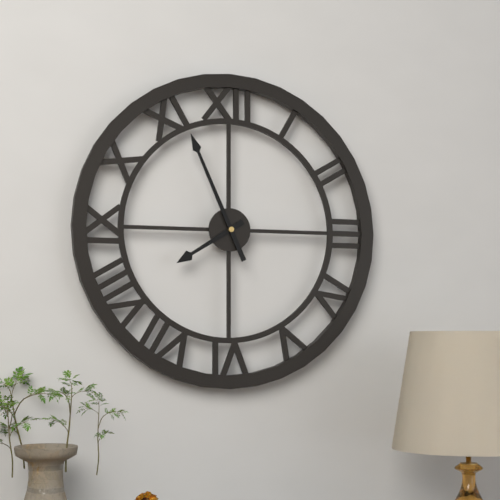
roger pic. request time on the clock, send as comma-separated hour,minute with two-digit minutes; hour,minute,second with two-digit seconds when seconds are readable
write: 7,56
